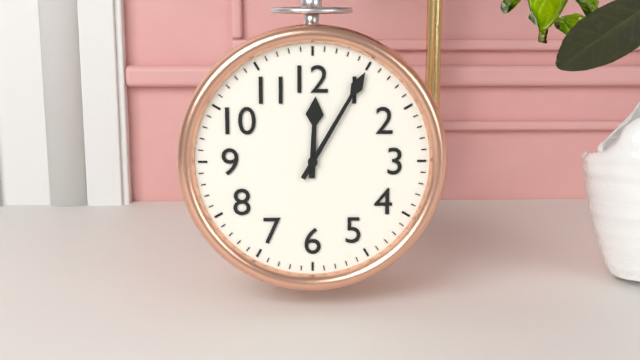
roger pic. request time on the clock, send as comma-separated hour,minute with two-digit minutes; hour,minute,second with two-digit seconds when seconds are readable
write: 12,05
